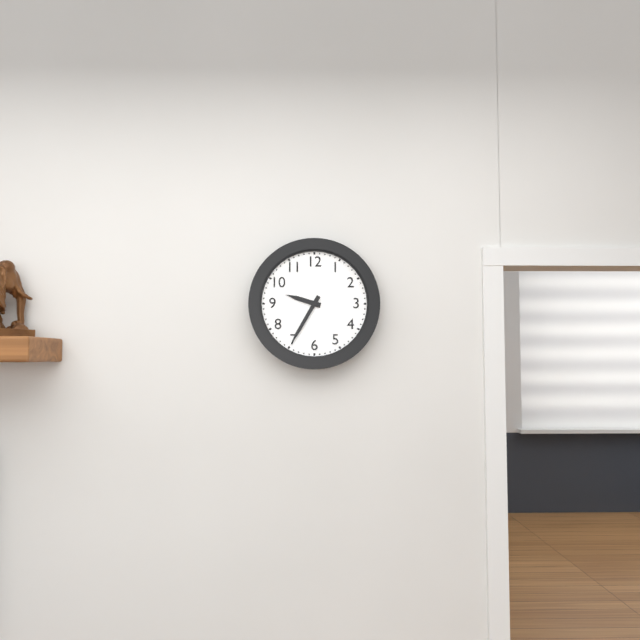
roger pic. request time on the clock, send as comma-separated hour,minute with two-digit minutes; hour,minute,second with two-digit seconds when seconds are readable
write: 9,35
